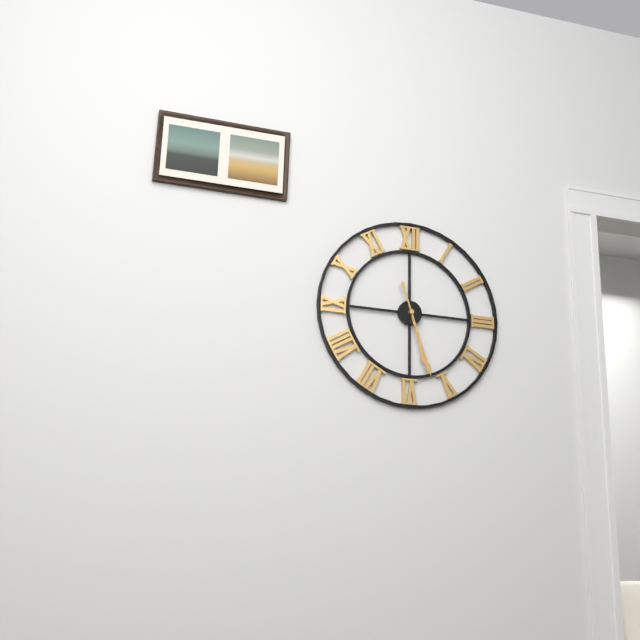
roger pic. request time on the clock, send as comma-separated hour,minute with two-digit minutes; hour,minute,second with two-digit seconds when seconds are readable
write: 5,27
